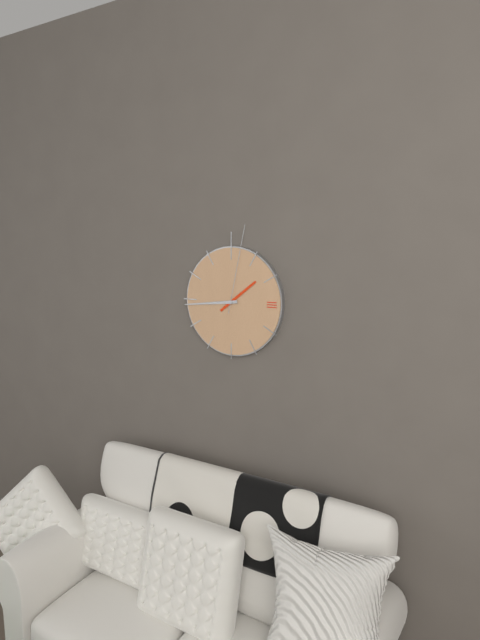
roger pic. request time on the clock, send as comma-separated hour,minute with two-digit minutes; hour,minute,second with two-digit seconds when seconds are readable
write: 1,44,02
